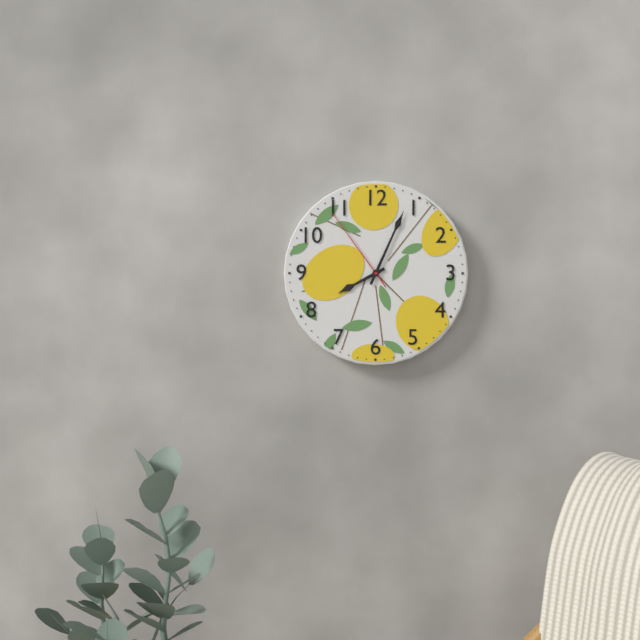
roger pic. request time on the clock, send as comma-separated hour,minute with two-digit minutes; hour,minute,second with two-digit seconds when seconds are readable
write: 8,04,54
